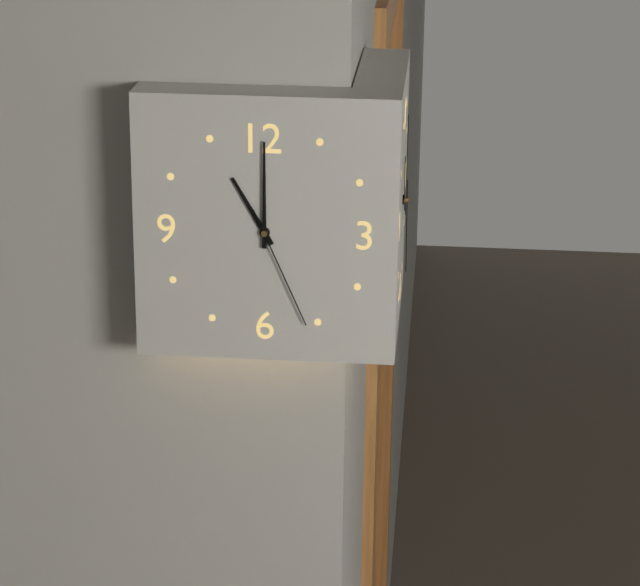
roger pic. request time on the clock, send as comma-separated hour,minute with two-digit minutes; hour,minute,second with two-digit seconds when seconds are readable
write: 11,00,26
